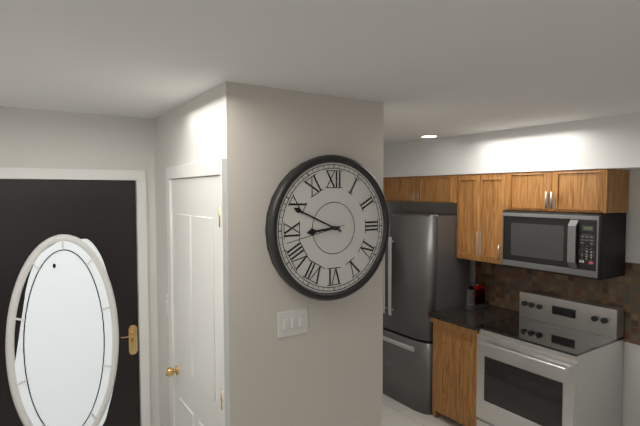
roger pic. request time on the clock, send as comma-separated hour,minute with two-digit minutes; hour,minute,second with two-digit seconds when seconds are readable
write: 8,49,43
